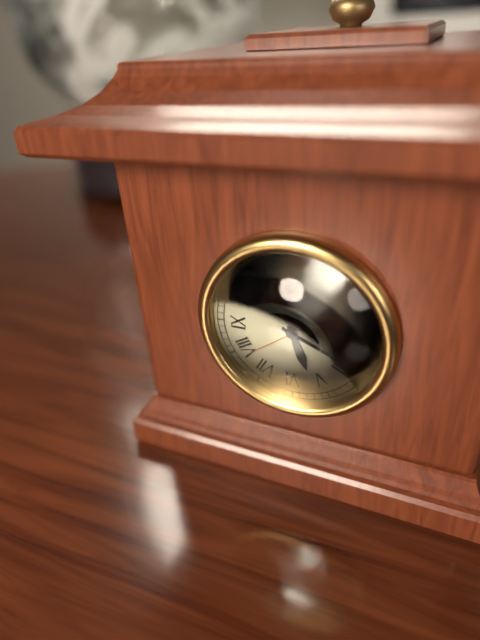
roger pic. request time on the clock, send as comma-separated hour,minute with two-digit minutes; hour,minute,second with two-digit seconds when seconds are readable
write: 5,19,39
